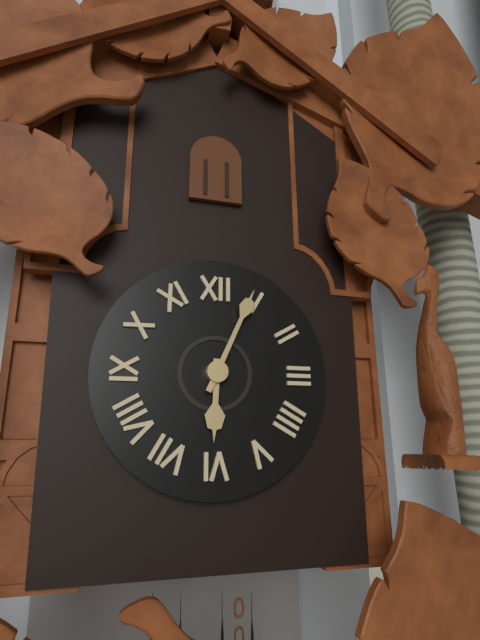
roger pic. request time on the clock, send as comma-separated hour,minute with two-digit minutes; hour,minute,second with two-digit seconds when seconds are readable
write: 6,04
